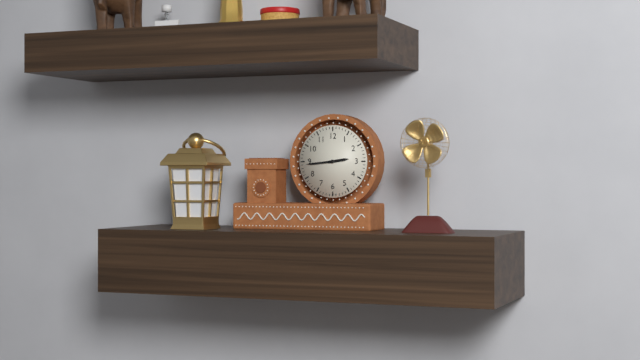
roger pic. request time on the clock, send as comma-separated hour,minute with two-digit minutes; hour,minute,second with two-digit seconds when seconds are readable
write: 2,44
